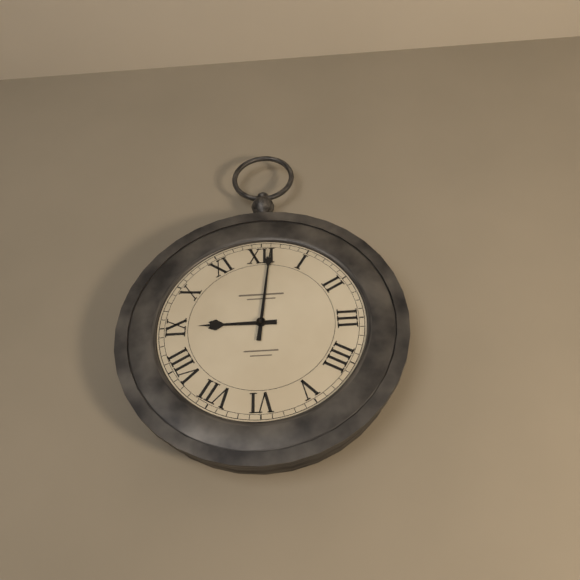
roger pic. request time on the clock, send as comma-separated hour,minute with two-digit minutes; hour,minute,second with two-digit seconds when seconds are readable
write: 9,01
